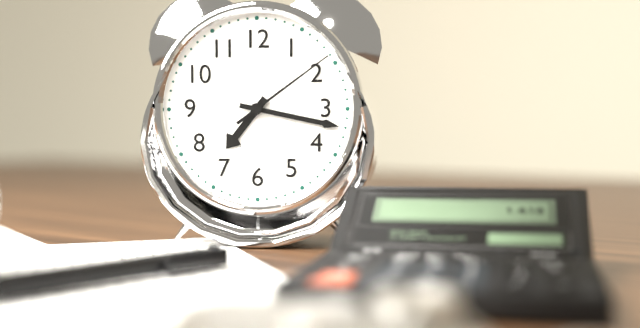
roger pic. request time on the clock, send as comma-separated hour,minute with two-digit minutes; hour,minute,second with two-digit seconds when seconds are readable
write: 7,17,09
